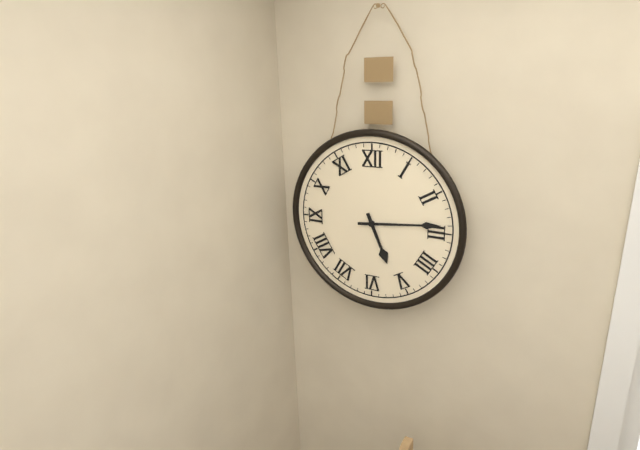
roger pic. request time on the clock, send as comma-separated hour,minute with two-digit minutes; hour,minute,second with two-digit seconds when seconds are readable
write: 5,14
